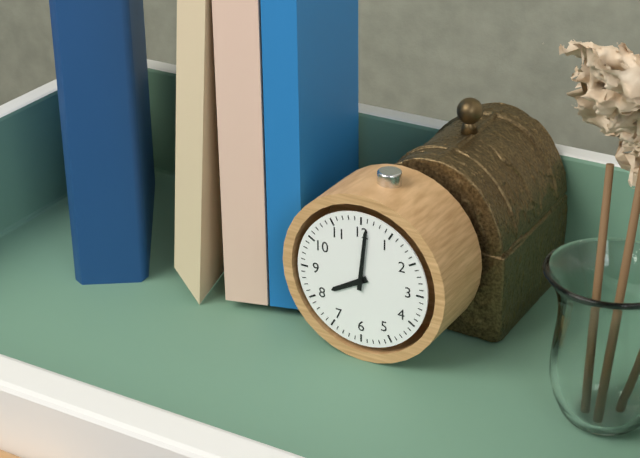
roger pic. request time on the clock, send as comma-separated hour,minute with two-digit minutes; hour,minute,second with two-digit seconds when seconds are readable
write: 8,01
